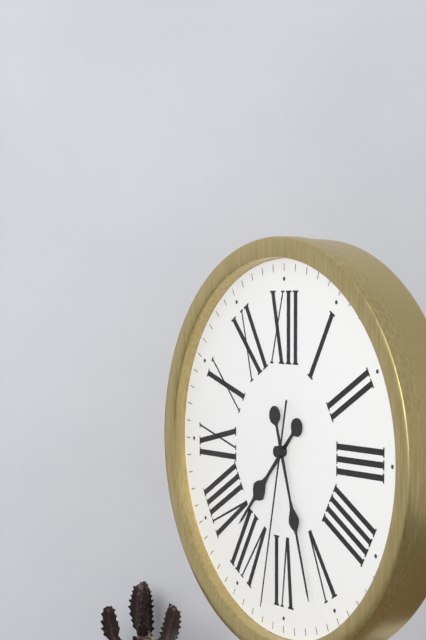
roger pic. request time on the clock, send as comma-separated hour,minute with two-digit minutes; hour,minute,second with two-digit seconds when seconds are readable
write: 7,27,32
